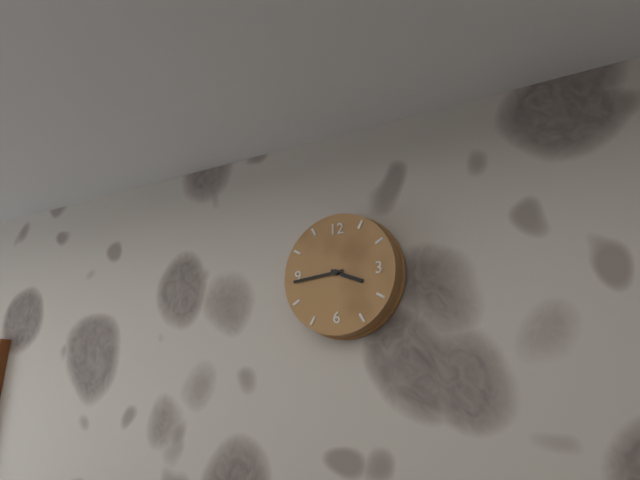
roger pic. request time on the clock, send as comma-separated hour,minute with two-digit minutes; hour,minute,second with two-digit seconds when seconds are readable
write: 3,44
